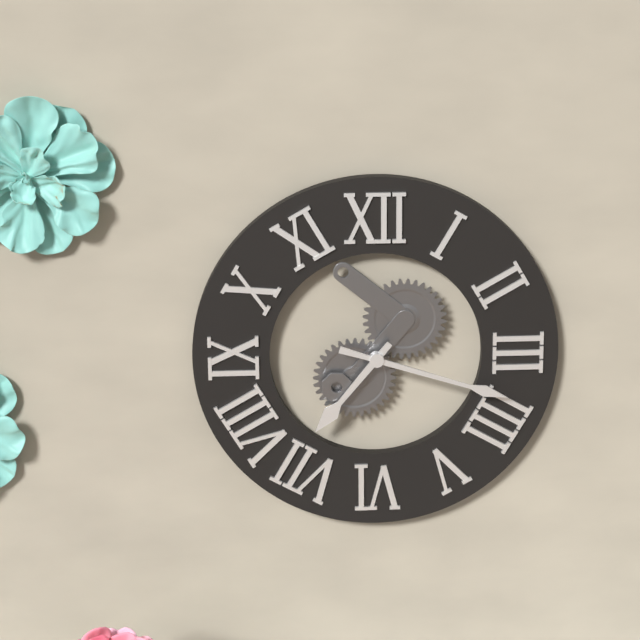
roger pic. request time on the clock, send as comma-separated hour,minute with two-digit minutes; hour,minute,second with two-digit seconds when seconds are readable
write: 7,18
